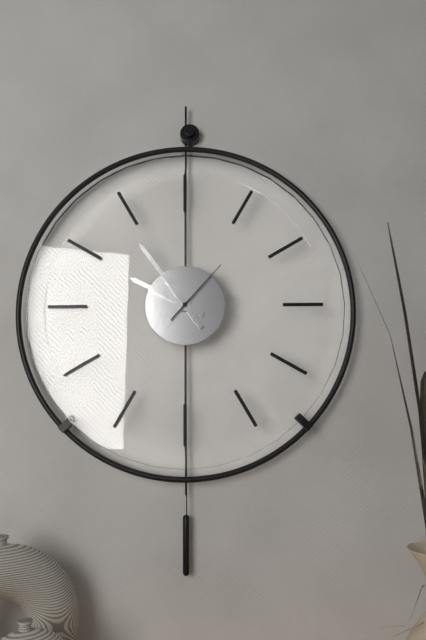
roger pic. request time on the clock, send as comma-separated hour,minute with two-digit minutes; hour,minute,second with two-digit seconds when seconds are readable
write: 9,54,07
